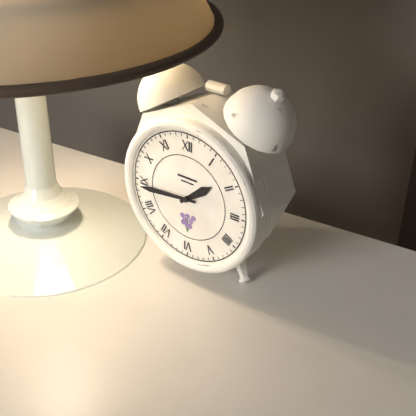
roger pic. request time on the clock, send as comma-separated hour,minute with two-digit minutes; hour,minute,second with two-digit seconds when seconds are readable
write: 1,44
